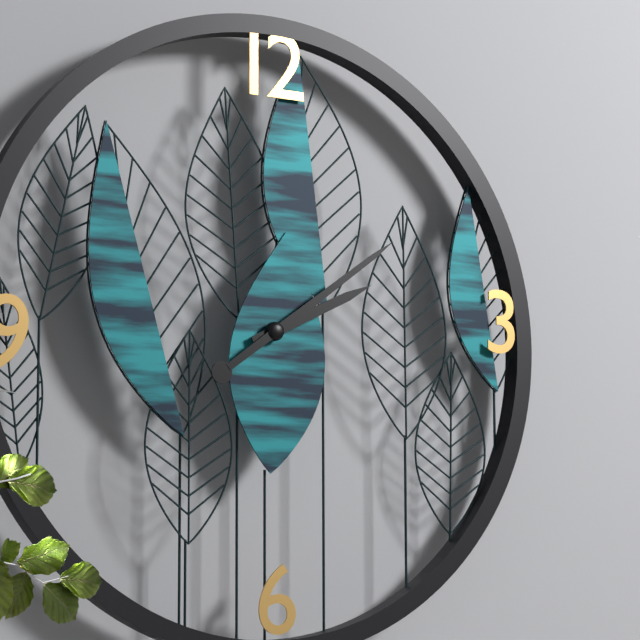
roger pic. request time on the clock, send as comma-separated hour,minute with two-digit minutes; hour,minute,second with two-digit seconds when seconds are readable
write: 2,09
